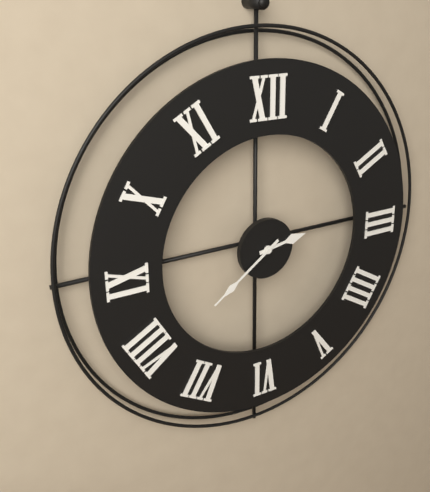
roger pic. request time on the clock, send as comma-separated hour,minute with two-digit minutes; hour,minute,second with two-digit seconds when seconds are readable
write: 2,39
